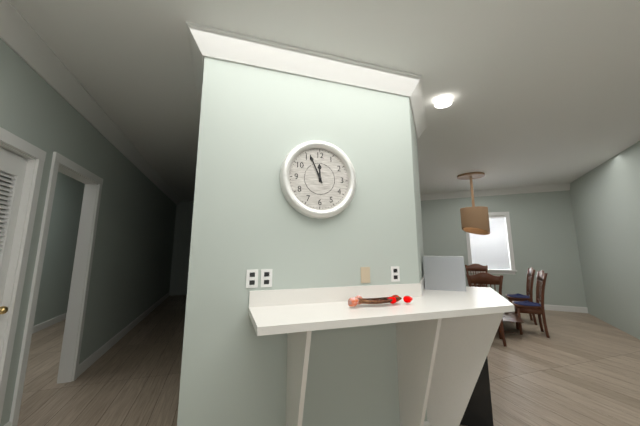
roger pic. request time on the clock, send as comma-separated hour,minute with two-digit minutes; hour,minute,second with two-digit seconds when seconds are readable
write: 11,56
